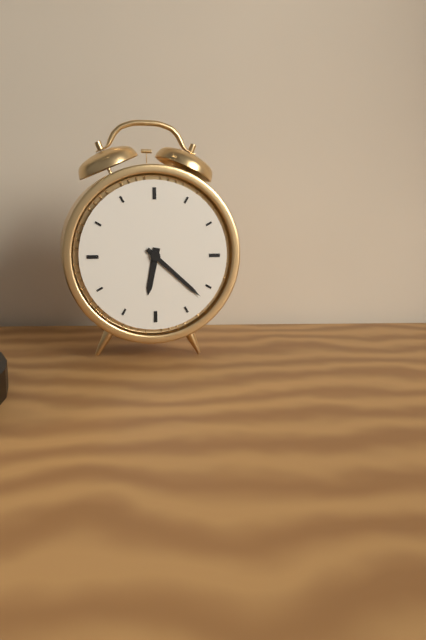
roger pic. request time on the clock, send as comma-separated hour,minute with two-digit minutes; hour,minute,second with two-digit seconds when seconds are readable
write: 6,22
